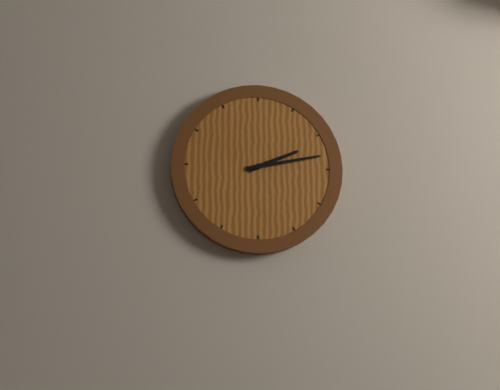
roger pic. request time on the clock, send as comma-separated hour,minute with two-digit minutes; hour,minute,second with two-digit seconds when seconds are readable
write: 2,13
